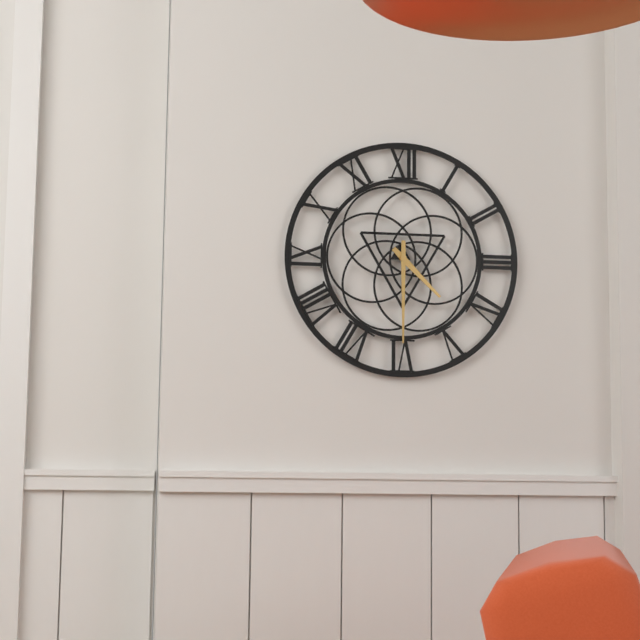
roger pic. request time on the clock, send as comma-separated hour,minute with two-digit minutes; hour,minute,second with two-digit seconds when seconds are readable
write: 4,30
